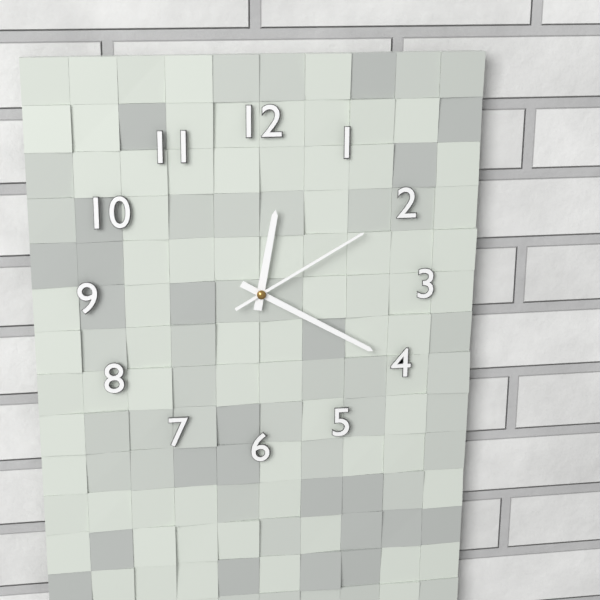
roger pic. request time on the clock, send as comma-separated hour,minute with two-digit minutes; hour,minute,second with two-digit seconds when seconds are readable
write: 12,20,10
